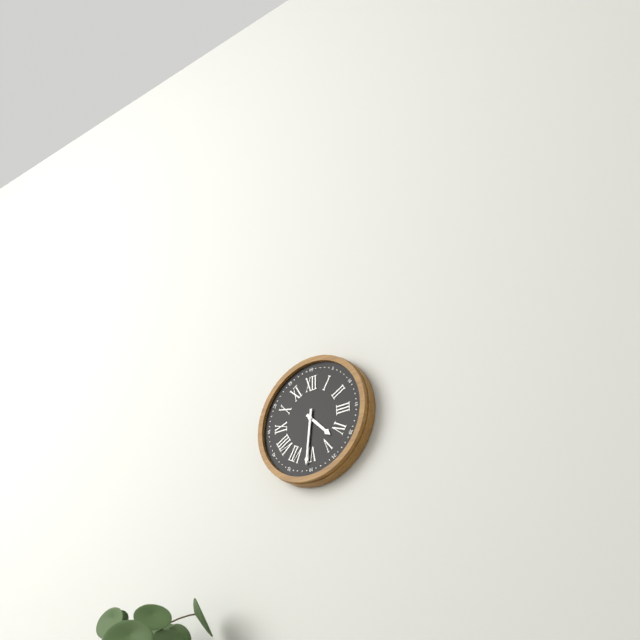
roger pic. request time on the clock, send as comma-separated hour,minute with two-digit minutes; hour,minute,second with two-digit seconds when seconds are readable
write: 4,31
